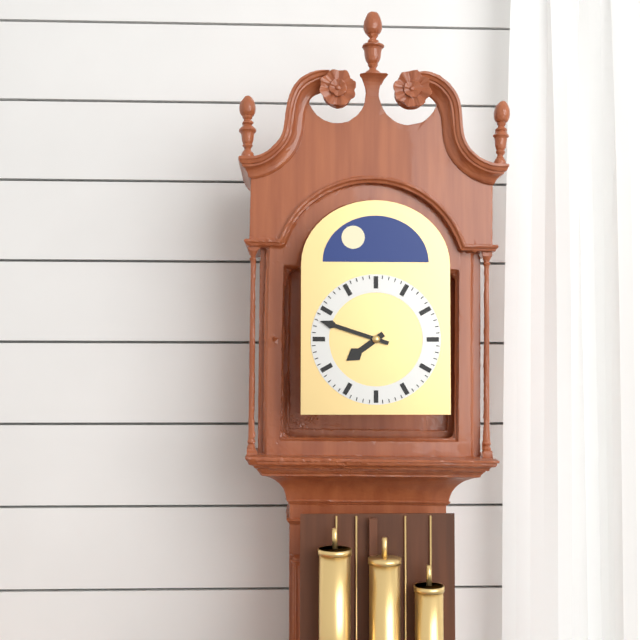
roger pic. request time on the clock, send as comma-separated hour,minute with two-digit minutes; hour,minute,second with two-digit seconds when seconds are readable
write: 7,48
